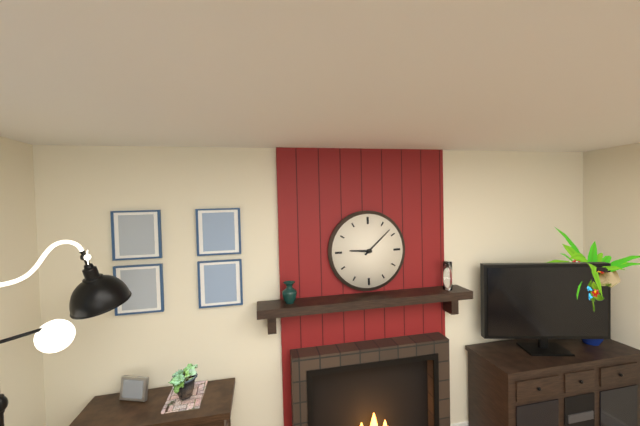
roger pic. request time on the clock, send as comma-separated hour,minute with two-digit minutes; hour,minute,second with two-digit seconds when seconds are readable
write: 9,08
